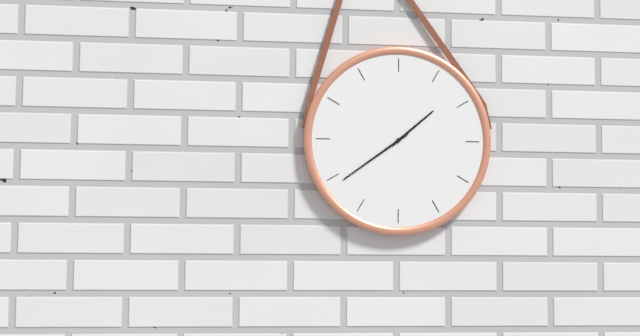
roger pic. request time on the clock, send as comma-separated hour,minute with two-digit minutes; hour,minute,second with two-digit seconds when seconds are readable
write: 1,39
